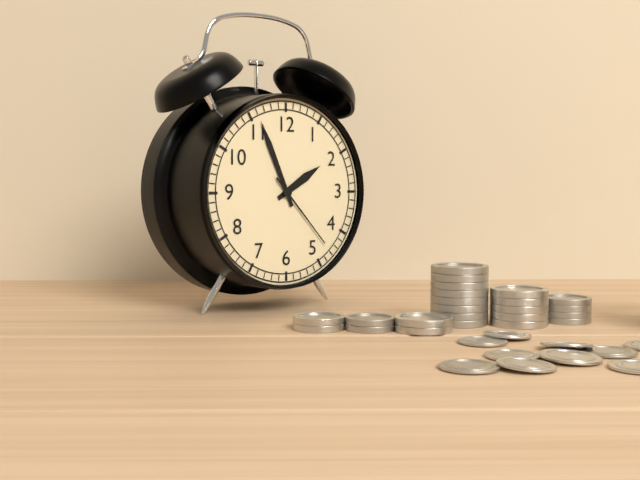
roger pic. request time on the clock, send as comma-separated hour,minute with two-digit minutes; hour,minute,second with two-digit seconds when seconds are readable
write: 1,56,23
